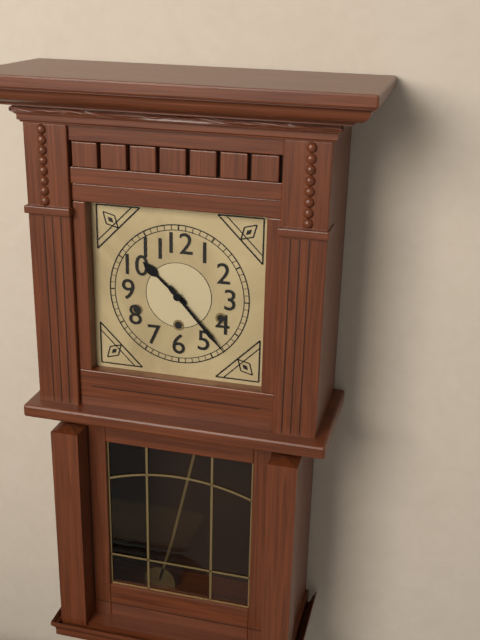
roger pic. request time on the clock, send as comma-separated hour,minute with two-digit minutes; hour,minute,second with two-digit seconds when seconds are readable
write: 10,23
